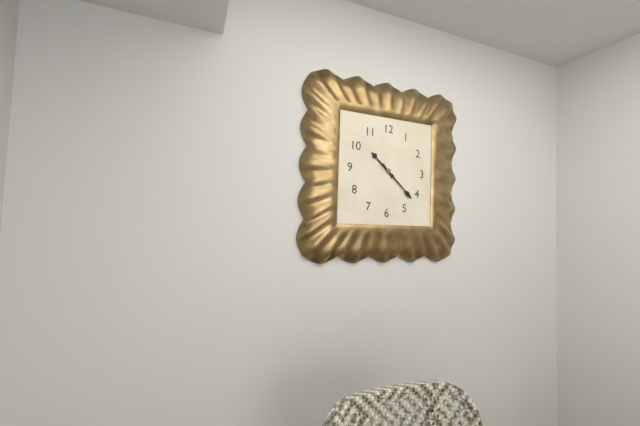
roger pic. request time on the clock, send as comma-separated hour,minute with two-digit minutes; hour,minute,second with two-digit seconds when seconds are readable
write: 10,22
